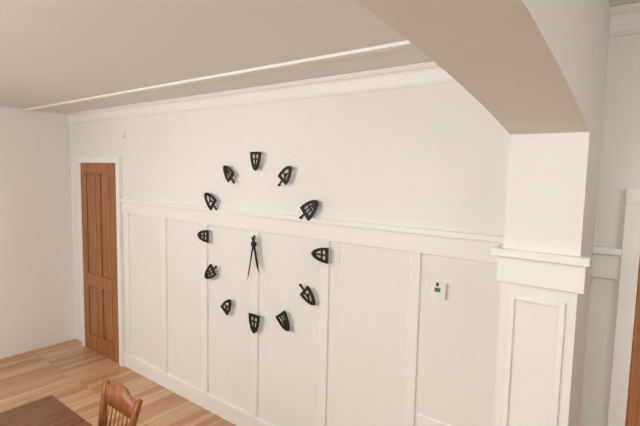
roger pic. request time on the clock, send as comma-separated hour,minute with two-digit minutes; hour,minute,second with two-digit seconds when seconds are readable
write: 5,32
